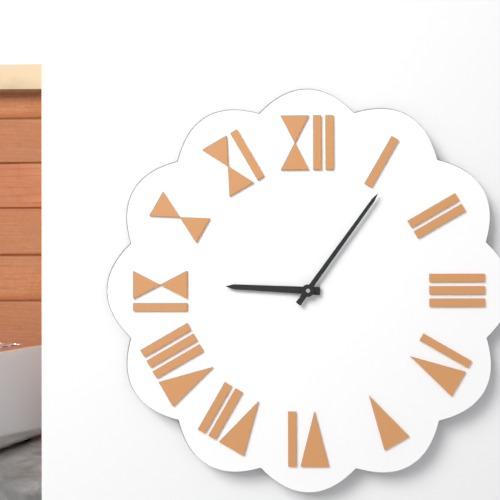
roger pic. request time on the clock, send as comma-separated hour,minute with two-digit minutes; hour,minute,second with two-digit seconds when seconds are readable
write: 9,06
